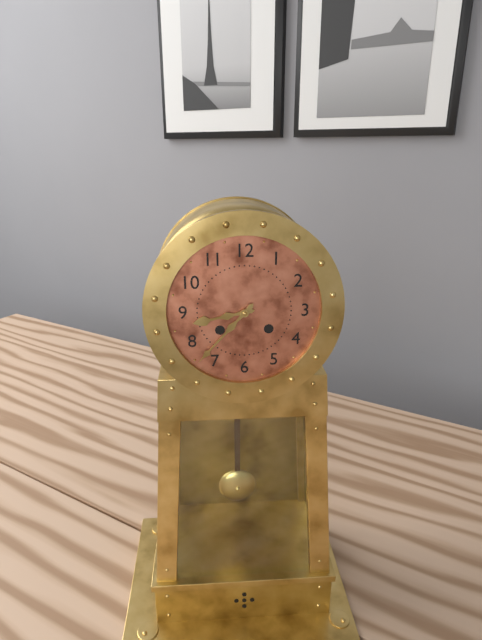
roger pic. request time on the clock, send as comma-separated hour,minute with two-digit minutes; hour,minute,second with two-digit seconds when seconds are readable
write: 8,37
